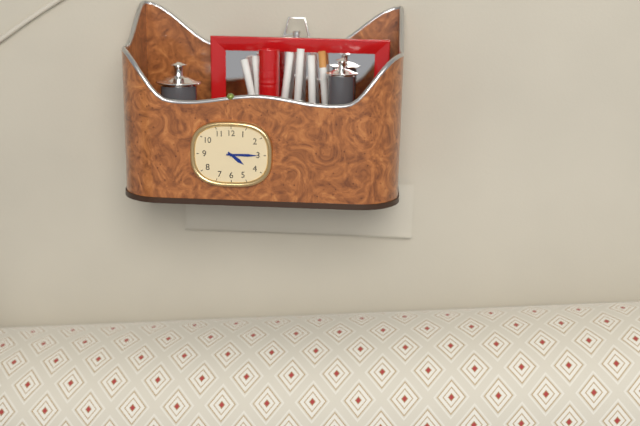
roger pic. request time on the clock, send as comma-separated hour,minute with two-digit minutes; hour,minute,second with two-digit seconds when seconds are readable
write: 4,15
